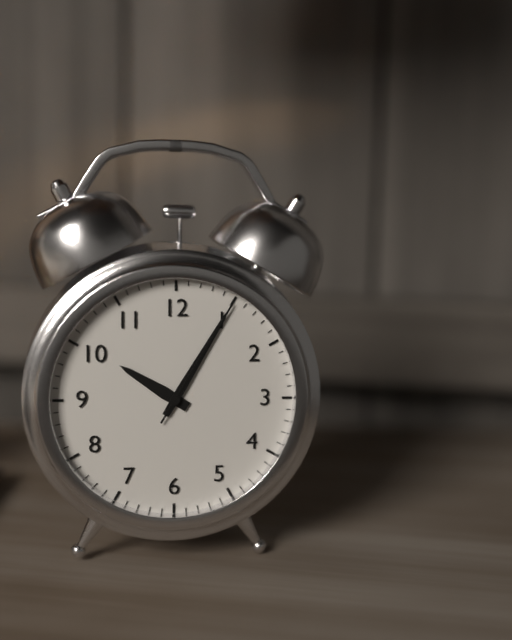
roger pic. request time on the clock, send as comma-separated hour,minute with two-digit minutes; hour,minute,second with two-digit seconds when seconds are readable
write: 10,05,05
